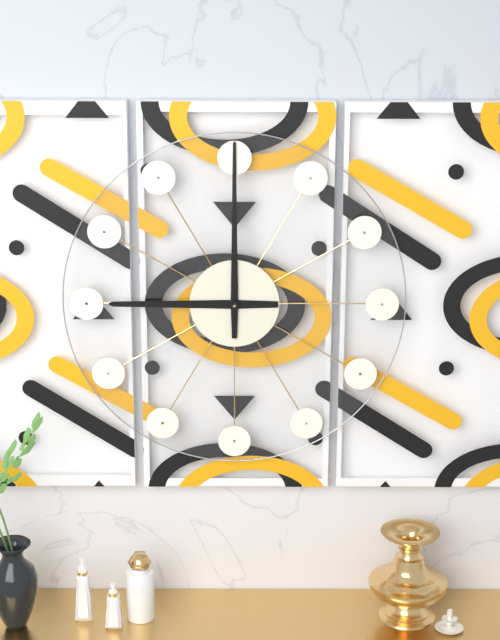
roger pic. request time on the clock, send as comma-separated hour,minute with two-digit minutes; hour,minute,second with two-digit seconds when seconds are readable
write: 9,00
